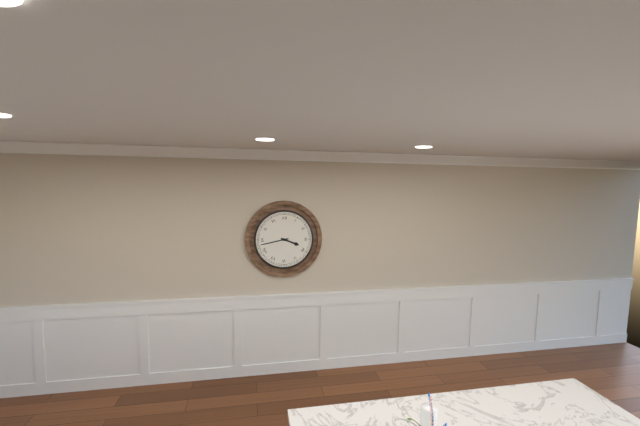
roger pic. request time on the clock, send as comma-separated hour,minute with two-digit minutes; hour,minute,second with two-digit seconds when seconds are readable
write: 3,43
